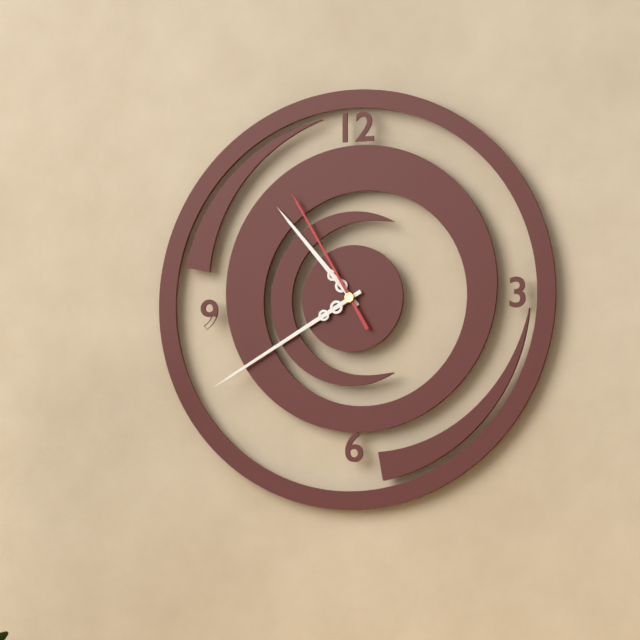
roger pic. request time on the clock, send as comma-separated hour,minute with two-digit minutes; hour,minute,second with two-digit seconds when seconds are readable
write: 10,40,55
